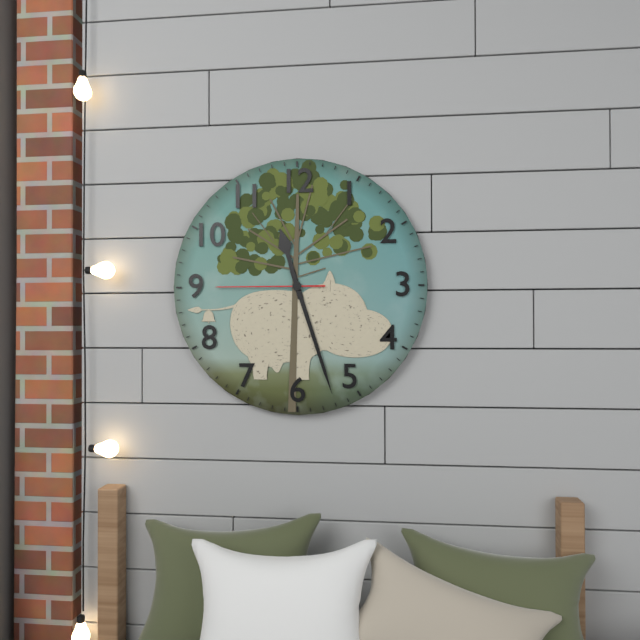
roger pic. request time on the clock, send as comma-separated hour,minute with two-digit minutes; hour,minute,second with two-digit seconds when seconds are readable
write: 11,27,45
